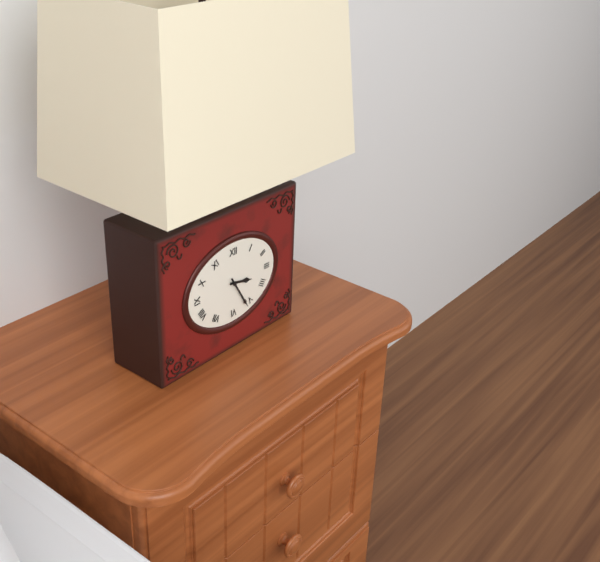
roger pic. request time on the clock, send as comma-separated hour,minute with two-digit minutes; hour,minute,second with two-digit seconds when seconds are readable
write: 3,25
